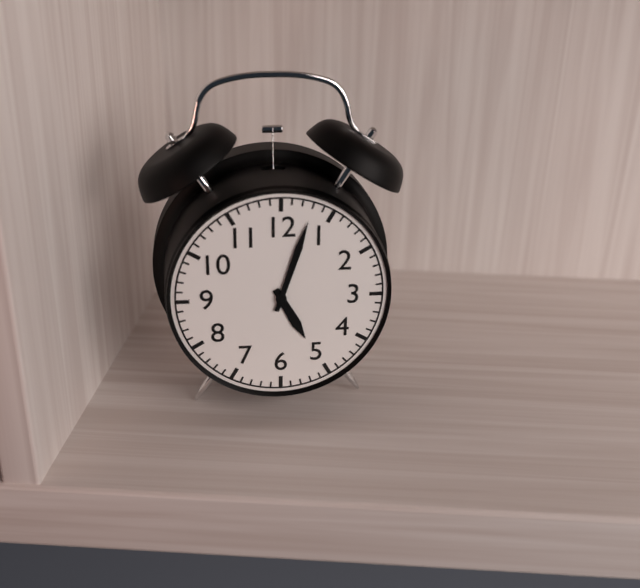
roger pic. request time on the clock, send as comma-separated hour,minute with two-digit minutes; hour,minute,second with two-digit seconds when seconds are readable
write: 5,03
